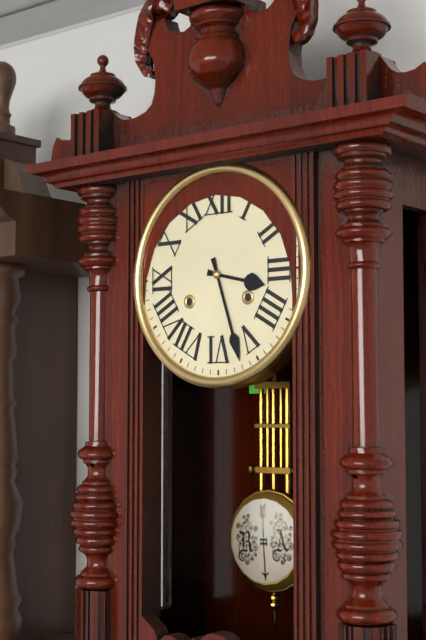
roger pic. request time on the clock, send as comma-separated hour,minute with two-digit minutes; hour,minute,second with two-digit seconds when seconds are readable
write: 3,27
